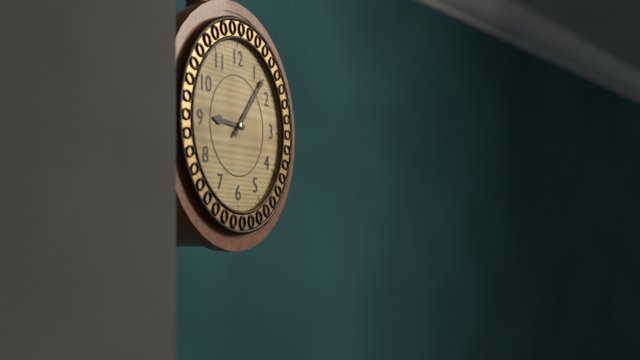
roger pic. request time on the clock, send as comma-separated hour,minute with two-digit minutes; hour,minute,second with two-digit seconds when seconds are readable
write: 9,07
